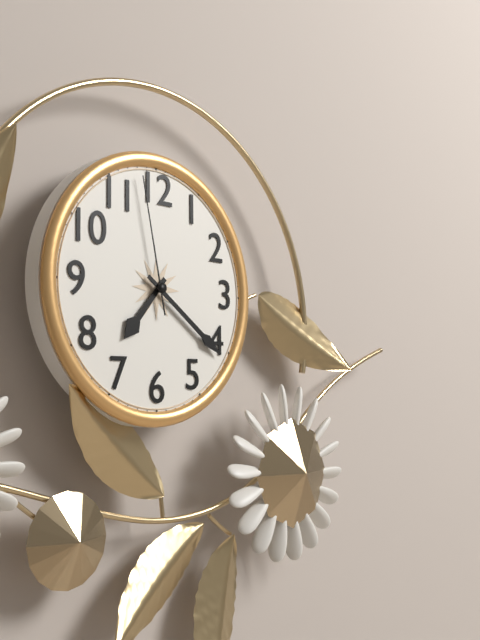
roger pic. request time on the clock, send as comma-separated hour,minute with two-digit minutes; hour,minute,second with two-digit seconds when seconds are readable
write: 7,21,58
